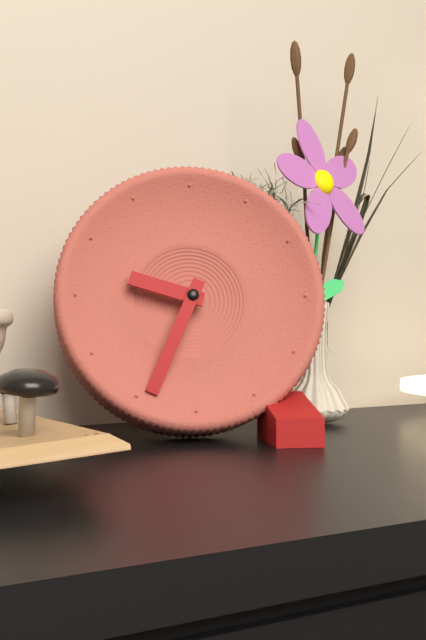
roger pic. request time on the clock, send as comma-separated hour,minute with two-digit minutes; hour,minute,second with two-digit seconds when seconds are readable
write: 9,34
